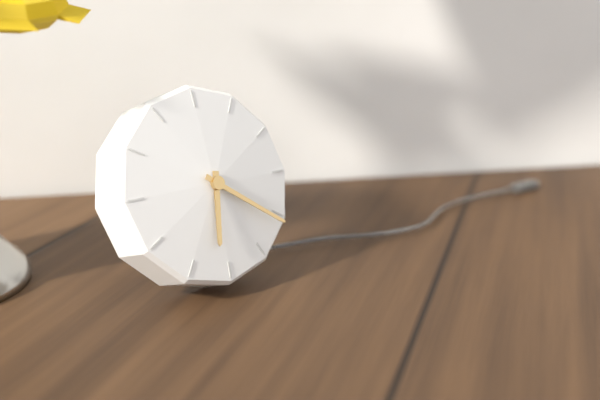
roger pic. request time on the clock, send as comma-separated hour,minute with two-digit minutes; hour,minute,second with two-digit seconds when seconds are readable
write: 6,21
